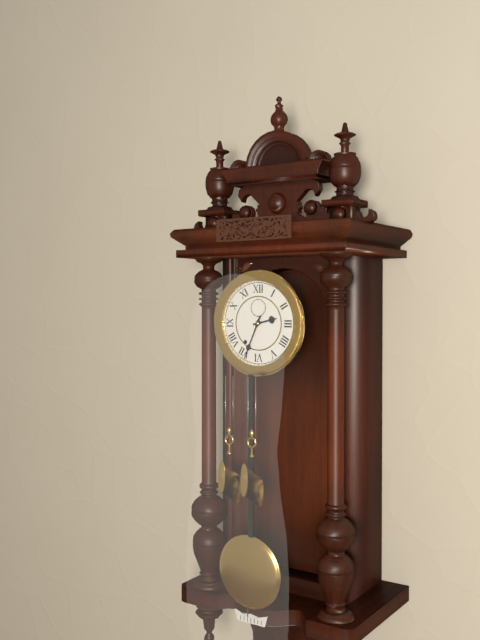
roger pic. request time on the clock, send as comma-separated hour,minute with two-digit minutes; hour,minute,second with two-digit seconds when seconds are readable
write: 2,34
